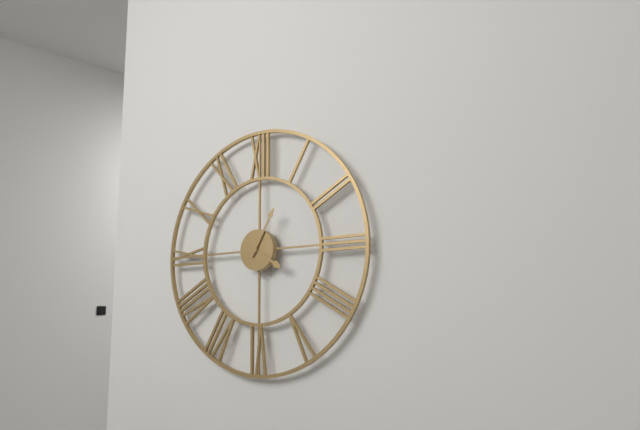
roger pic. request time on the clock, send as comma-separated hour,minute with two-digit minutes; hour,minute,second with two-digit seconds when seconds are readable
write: 4,05
